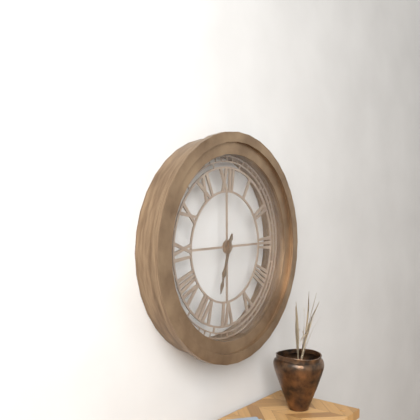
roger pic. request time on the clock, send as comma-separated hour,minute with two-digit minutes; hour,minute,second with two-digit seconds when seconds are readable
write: 6,33
